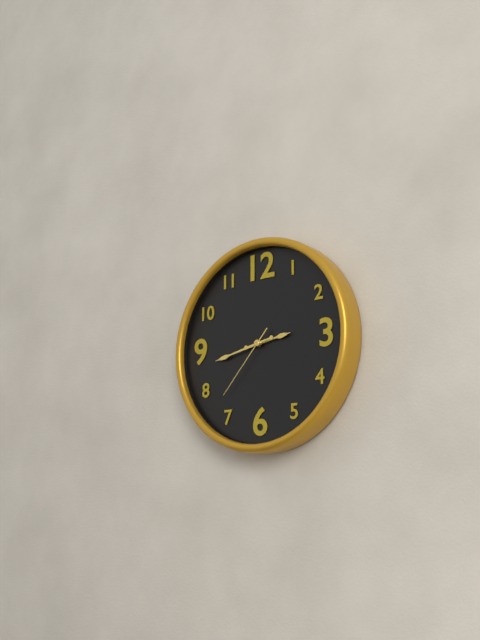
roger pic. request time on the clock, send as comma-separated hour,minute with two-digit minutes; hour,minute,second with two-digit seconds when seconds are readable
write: 2,43,37
